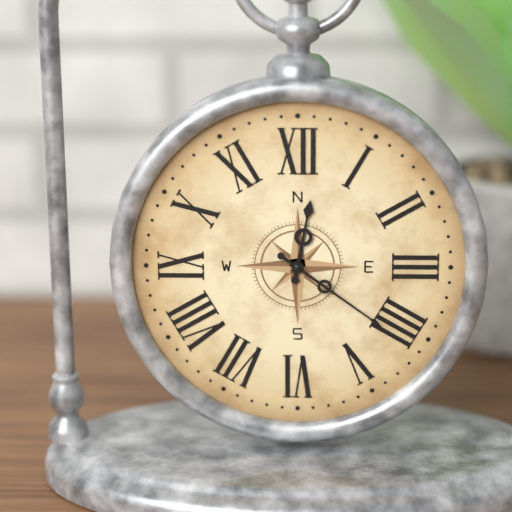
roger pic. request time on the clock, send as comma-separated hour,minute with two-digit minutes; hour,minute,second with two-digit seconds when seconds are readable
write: 12,21
